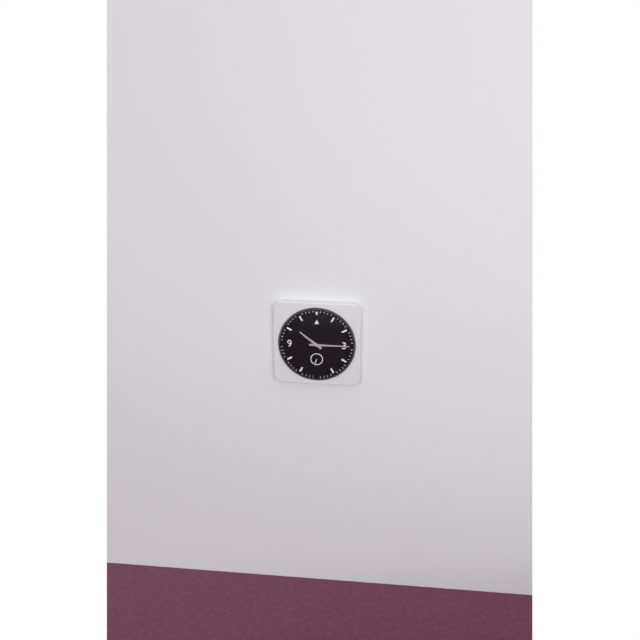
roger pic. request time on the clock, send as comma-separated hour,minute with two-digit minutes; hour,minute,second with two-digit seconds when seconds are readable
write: 10,15
